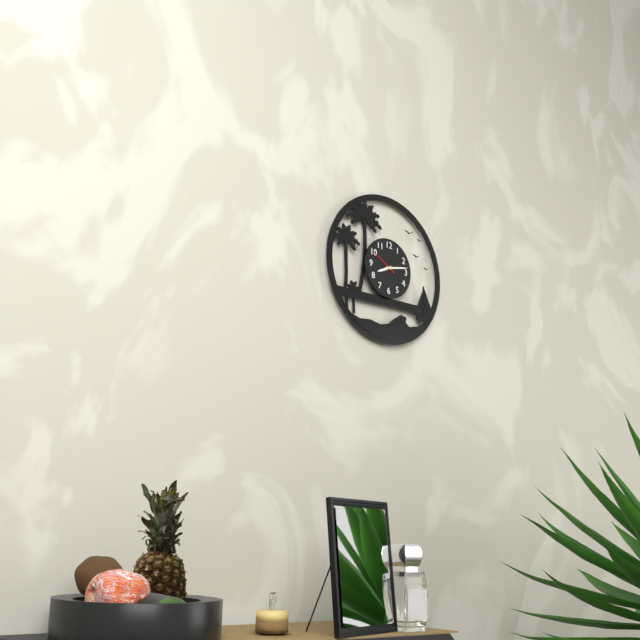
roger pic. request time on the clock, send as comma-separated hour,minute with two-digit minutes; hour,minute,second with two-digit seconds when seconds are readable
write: 8,13
